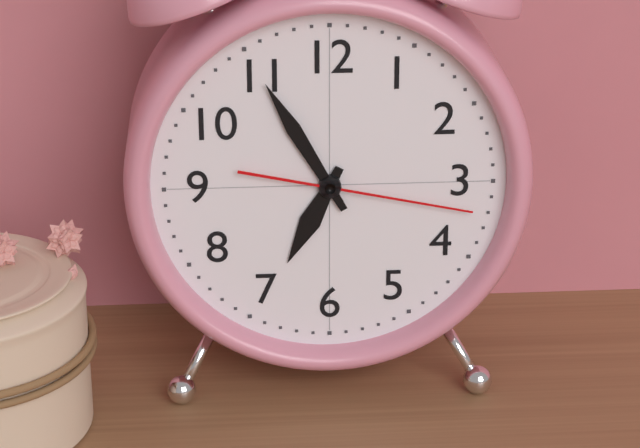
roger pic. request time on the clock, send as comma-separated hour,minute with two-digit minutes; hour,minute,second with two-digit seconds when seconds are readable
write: 6,55,17
